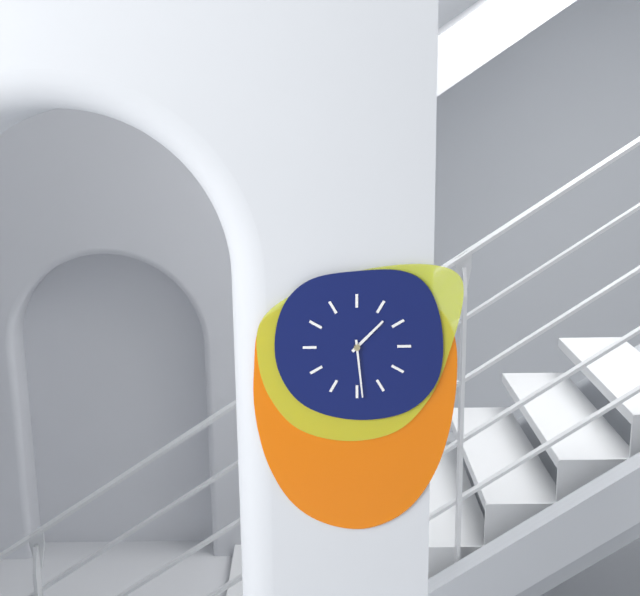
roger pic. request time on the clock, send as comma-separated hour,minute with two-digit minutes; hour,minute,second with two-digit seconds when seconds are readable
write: 1,29
